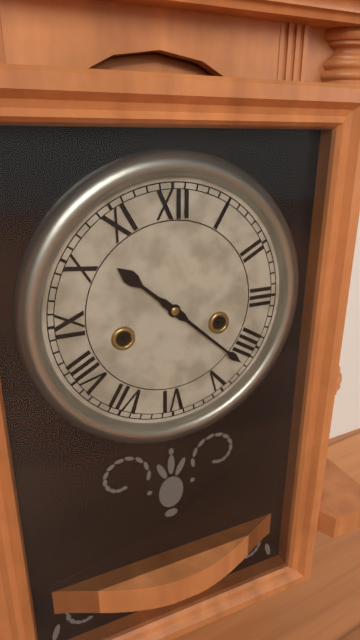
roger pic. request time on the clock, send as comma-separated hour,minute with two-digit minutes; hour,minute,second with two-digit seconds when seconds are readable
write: 10,22
